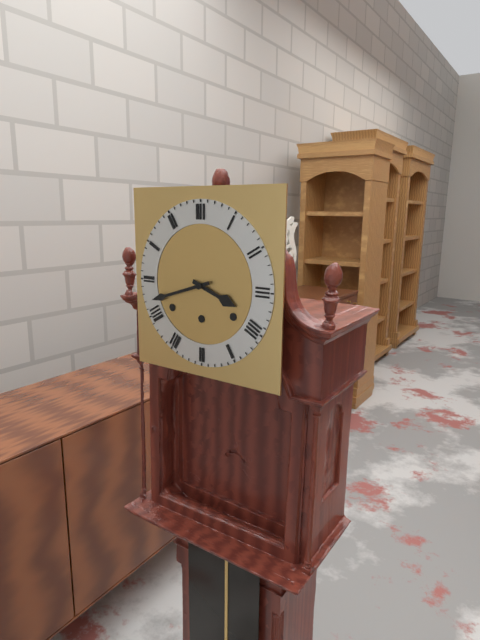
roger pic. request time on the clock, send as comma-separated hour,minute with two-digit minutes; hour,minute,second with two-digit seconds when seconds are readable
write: 3,42
